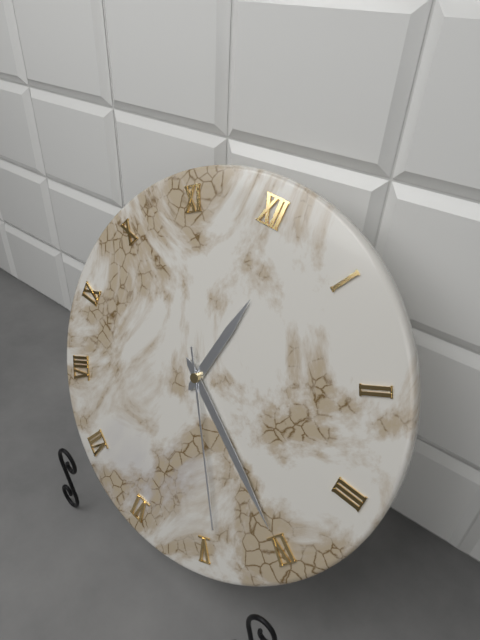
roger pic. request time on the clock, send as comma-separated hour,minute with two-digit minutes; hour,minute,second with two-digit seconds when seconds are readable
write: 12,20,24
